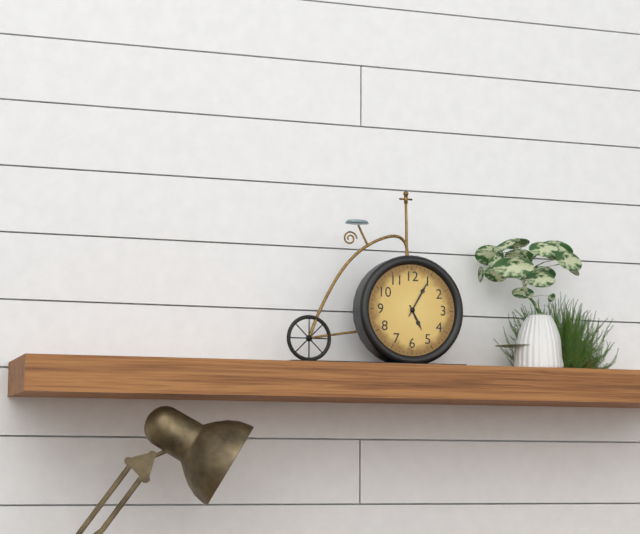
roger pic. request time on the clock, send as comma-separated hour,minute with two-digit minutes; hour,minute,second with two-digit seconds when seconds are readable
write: 5,05
